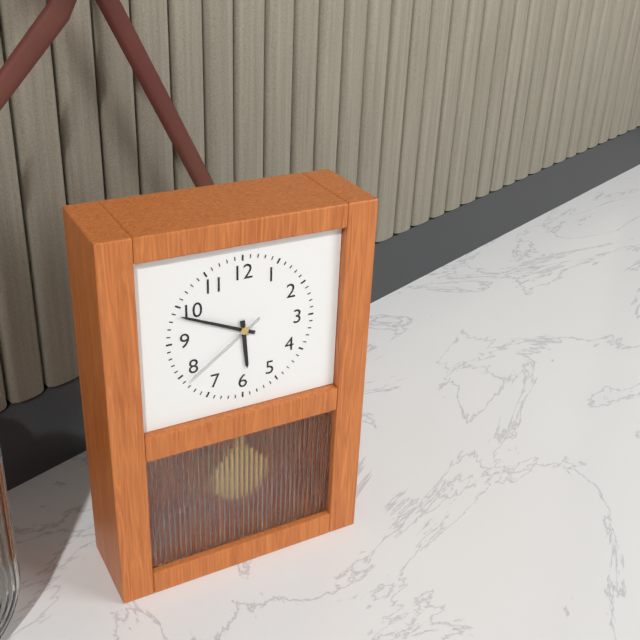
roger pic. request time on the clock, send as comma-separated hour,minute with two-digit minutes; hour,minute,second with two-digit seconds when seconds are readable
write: 5,49,39
